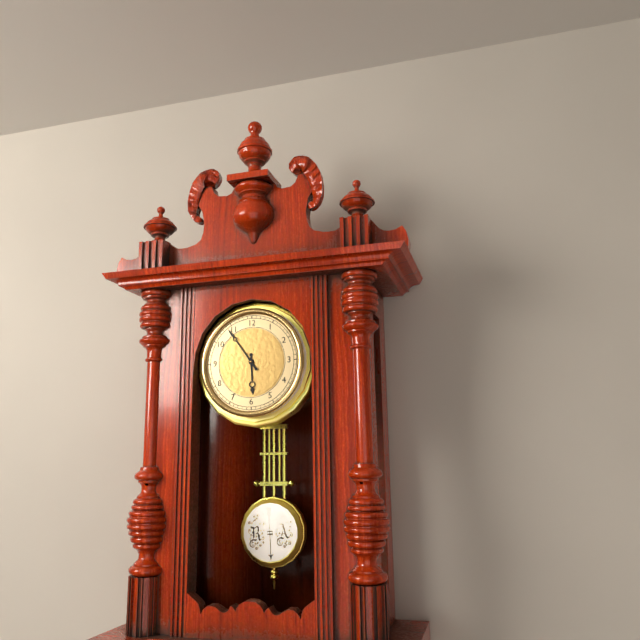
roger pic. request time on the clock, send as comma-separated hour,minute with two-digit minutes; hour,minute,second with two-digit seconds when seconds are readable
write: 5,54
